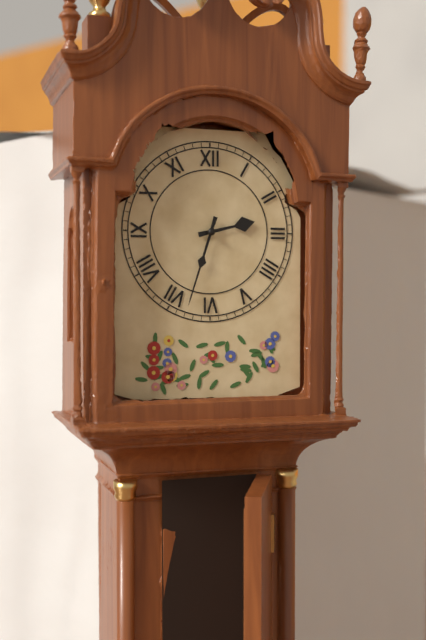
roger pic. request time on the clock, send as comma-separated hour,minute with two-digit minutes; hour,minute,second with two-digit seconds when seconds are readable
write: 2,33
